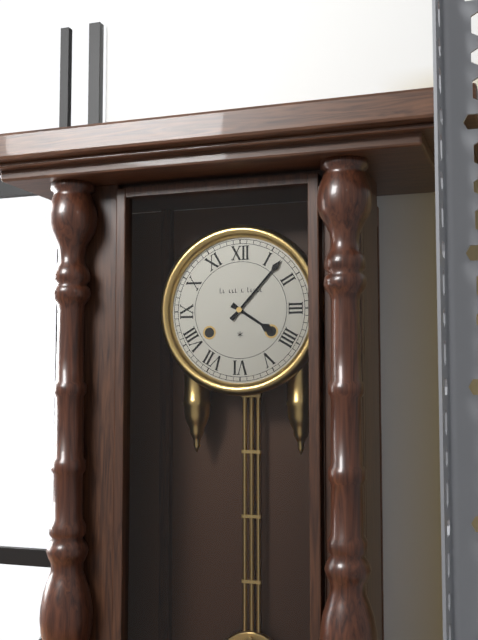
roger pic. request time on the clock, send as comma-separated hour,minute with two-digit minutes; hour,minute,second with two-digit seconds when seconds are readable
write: 4,07
